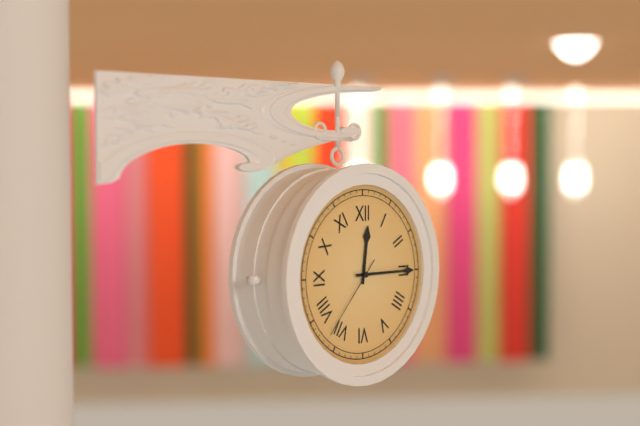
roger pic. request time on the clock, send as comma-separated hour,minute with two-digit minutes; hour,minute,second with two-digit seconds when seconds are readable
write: 12,15,37
